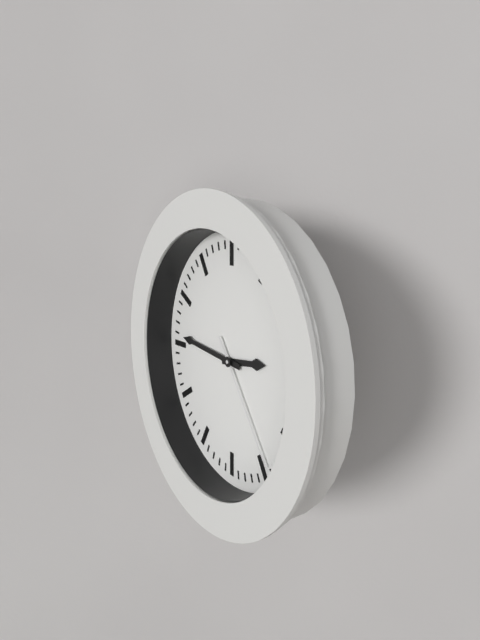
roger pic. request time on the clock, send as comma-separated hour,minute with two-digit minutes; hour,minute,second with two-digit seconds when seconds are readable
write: 2,46,24
